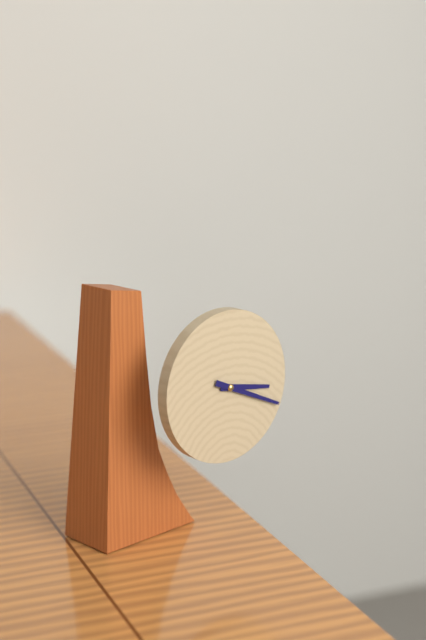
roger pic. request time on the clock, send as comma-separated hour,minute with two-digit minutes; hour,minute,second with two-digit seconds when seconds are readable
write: 3,19
